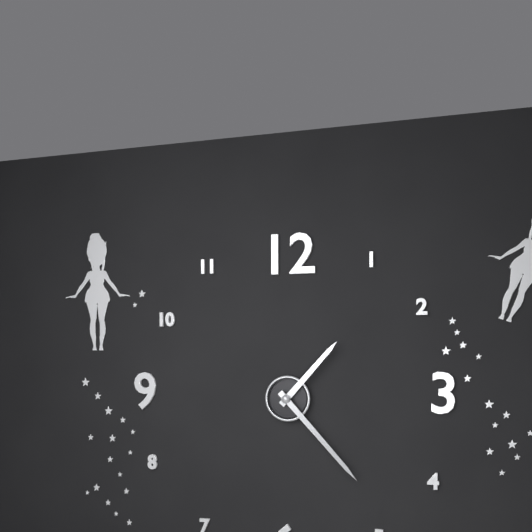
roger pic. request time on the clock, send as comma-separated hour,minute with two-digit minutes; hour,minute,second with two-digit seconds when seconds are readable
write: 1,23
